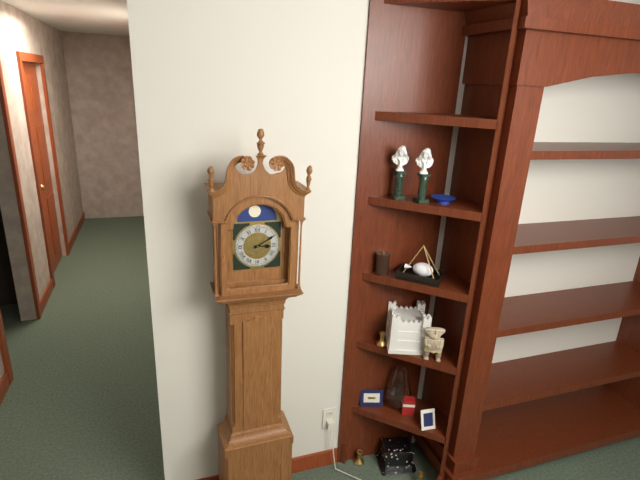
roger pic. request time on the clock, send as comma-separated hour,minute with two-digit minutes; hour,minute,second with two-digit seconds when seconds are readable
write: 3,10
